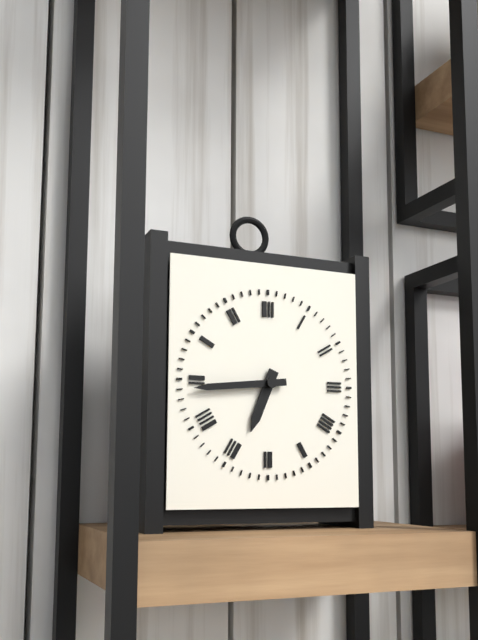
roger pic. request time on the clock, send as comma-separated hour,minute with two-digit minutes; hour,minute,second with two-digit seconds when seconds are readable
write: 6,44
